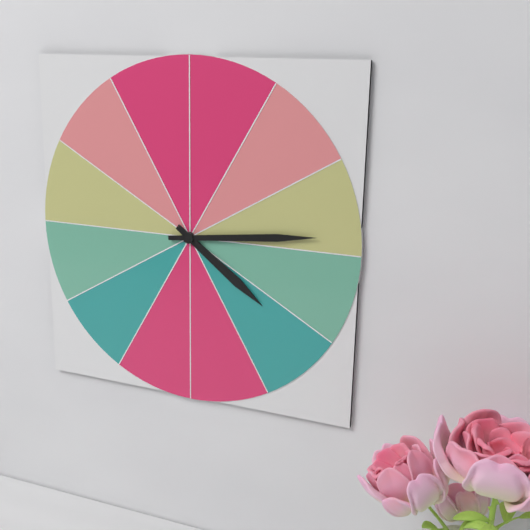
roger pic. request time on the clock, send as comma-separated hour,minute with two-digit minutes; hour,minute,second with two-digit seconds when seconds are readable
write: 4,14
